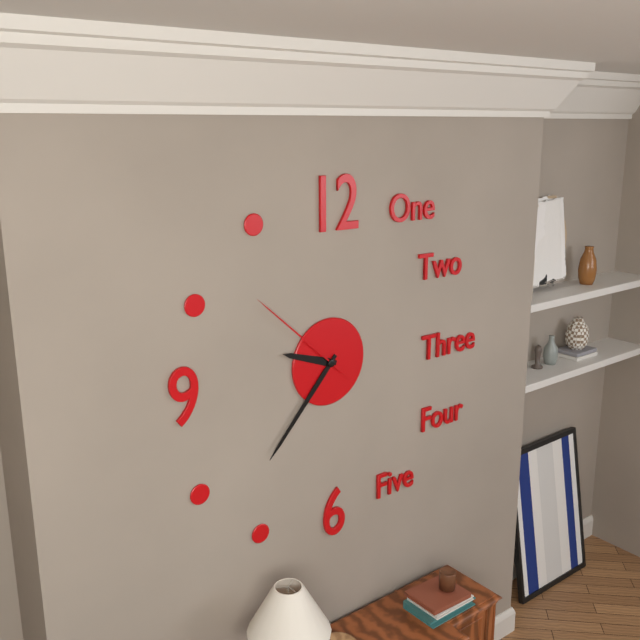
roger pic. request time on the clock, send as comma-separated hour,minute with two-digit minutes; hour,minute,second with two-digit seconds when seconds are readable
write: 9,37,52
